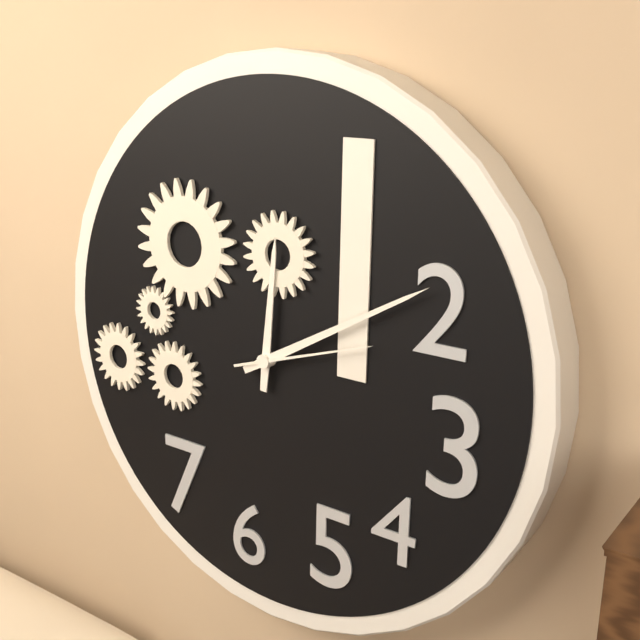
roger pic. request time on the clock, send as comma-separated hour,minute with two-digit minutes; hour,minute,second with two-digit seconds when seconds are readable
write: 12,10,12
